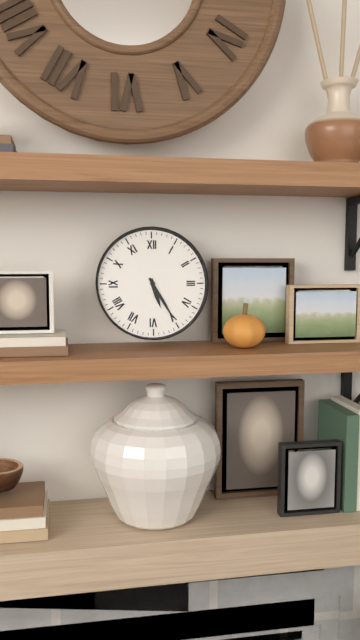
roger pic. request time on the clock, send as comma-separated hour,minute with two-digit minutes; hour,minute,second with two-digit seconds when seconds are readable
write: 5,25
